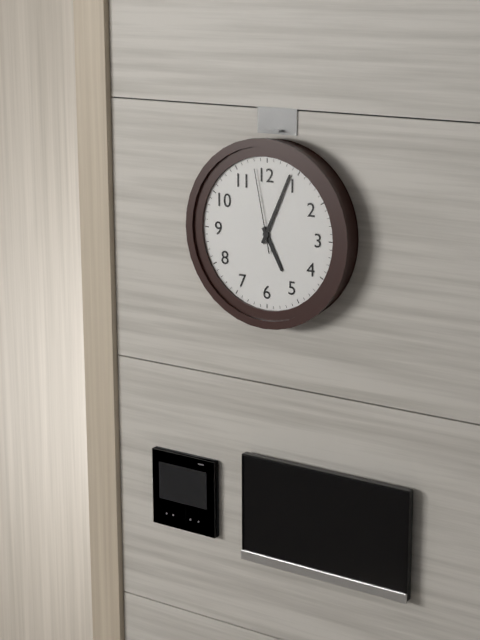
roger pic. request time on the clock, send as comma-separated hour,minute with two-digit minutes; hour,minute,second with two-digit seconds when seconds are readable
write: 5,04,58
